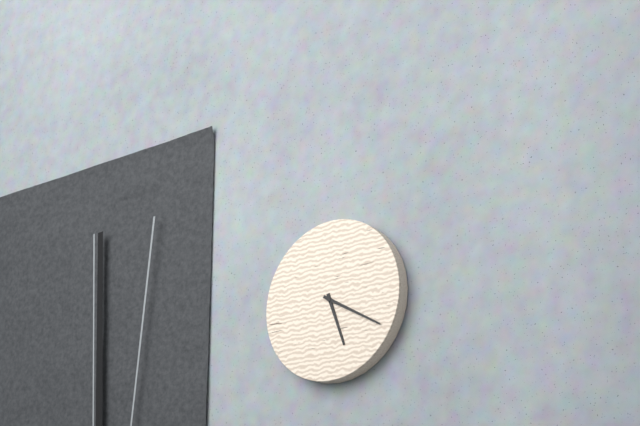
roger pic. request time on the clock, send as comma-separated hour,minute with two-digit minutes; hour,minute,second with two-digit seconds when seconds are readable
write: 5,20
